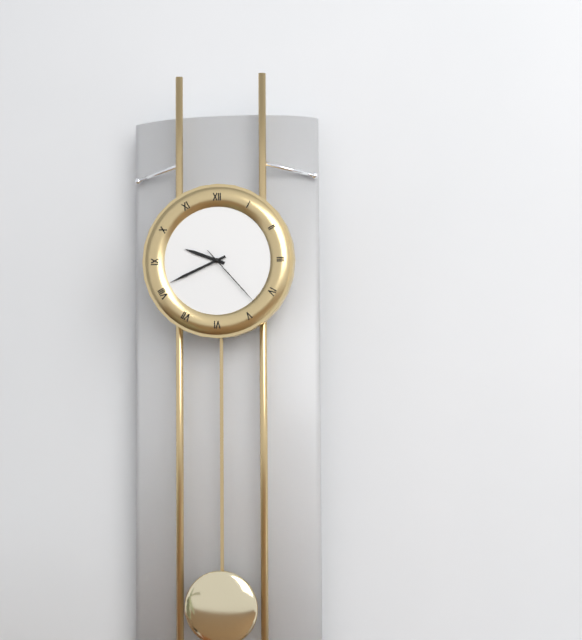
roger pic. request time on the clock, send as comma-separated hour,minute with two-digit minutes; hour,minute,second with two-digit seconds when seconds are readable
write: 9,41,23
